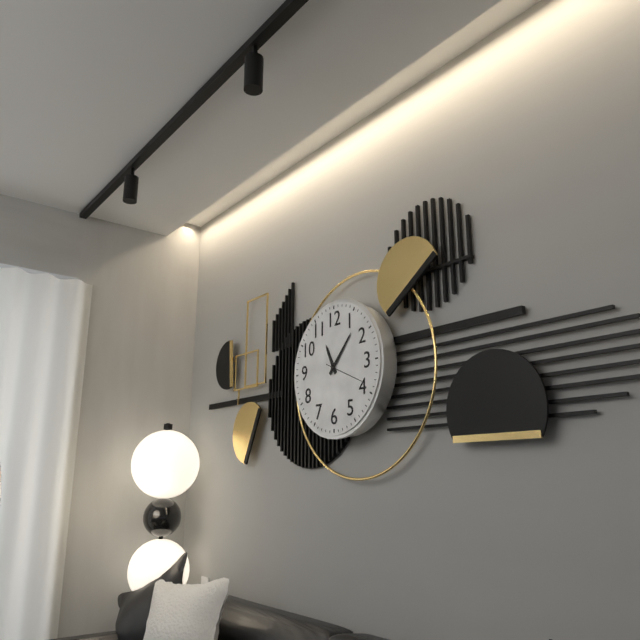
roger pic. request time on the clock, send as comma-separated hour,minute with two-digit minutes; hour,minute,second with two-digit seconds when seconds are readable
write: 11,07
